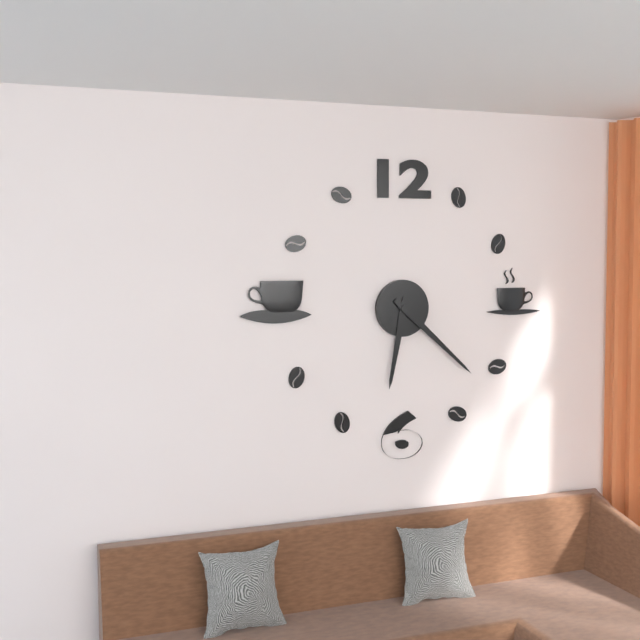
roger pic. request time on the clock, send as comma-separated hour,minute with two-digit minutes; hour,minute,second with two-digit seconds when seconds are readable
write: 6,22
